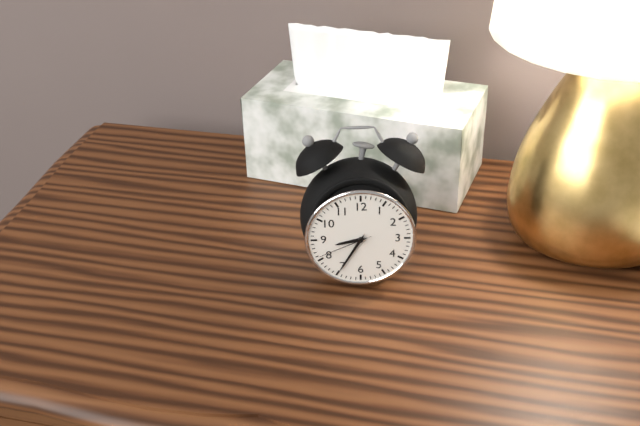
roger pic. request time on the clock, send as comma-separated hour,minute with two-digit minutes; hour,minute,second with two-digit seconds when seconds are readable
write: 8,35,41
